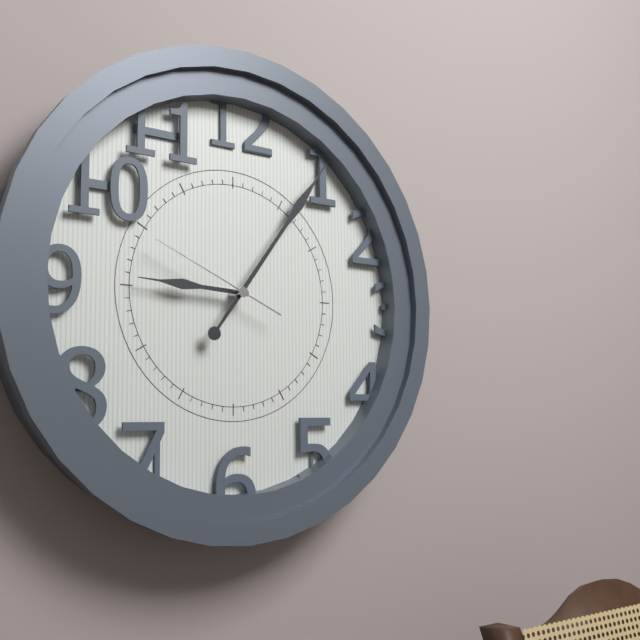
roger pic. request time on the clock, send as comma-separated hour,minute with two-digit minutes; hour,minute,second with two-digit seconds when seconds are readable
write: 9,06,49
